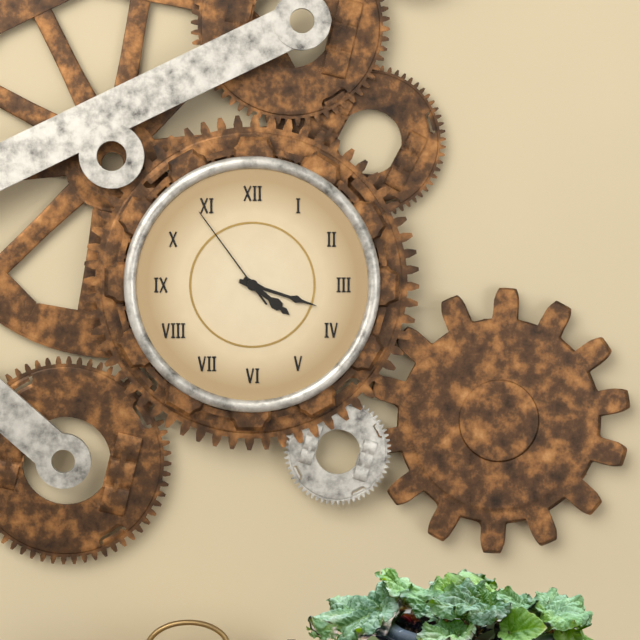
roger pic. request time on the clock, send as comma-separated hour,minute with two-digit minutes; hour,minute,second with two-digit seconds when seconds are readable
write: 4,18,54
